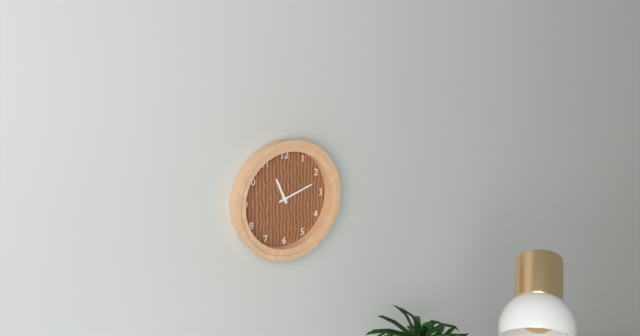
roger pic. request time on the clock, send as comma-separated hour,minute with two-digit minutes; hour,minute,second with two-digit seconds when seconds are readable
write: 11,12
